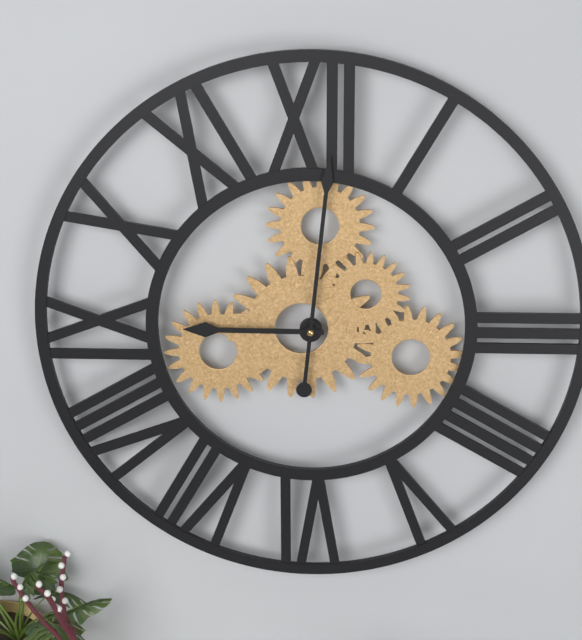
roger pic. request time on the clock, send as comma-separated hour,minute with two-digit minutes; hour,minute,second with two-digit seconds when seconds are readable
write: 9,01
